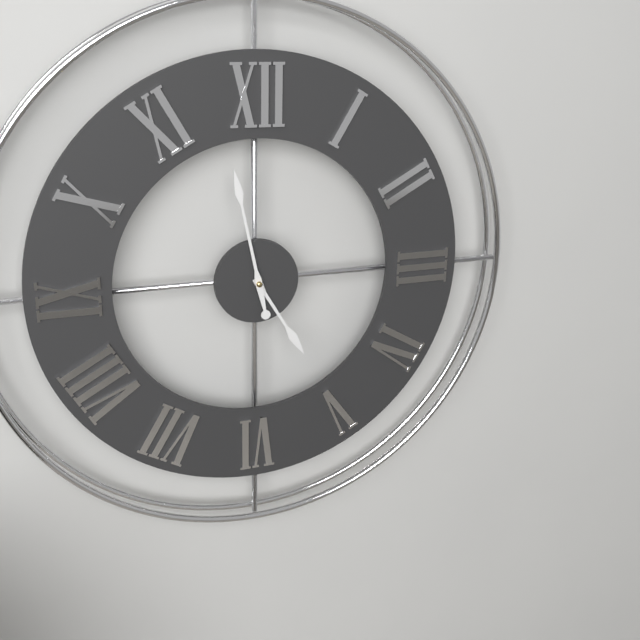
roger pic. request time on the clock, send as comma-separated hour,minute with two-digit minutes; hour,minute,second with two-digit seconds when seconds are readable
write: 4,58
